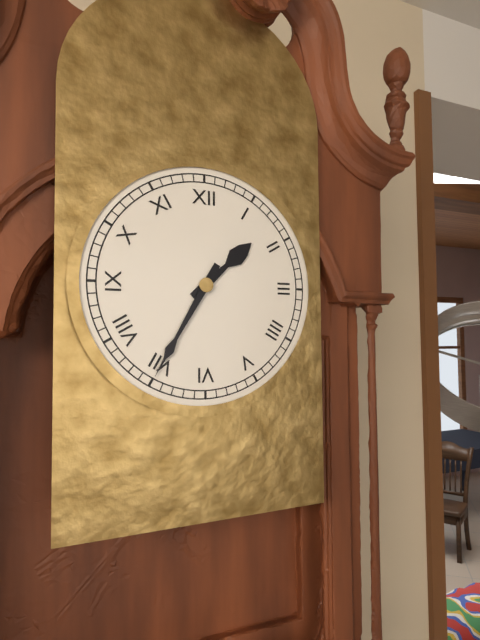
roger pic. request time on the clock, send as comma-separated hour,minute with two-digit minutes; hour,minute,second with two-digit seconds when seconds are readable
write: 1,35
